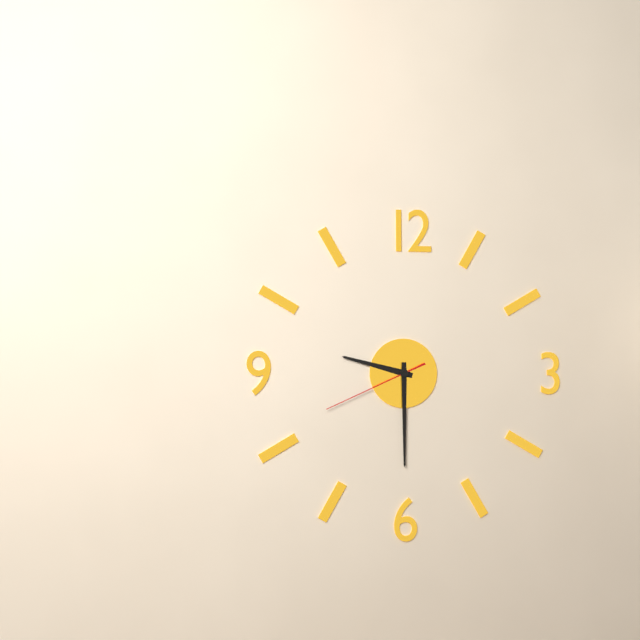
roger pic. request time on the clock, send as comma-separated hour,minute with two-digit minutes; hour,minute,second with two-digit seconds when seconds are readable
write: 9,30,41
